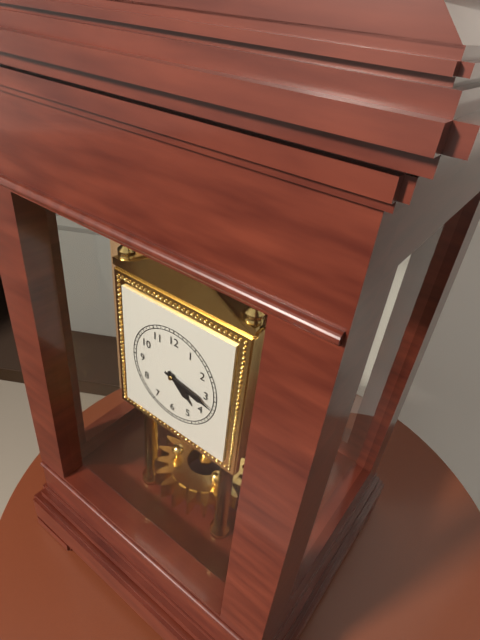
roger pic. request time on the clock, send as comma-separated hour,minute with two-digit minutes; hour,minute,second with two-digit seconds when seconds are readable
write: 4,17
